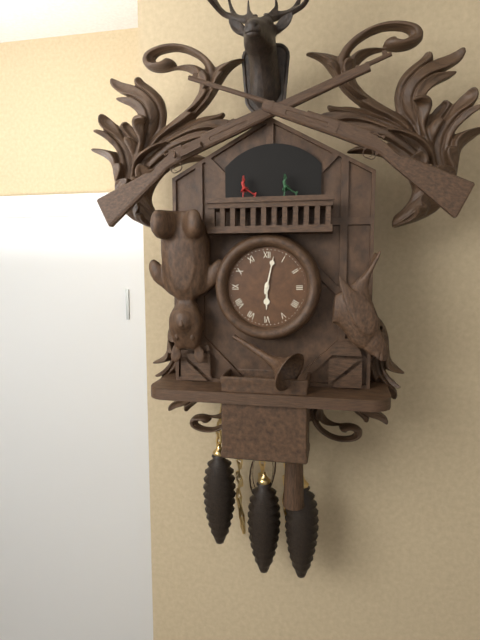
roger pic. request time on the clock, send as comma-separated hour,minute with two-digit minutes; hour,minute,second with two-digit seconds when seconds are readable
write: 6,02
